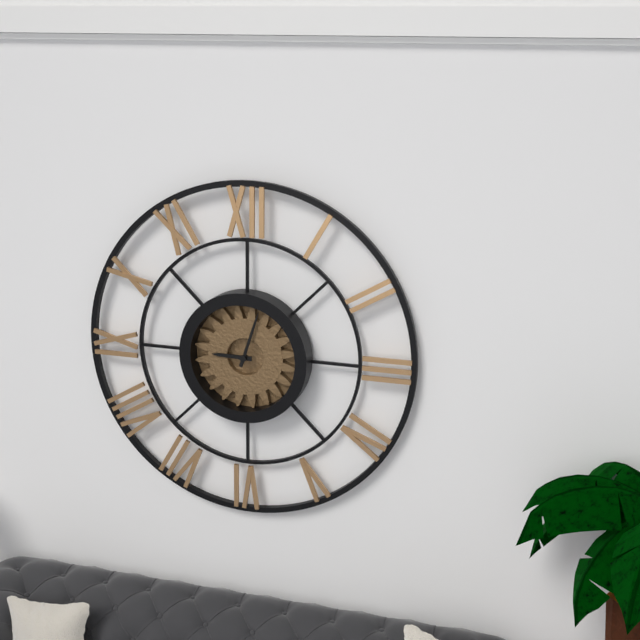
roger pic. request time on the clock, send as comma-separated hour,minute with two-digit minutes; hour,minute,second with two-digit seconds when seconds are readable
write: 9,03
